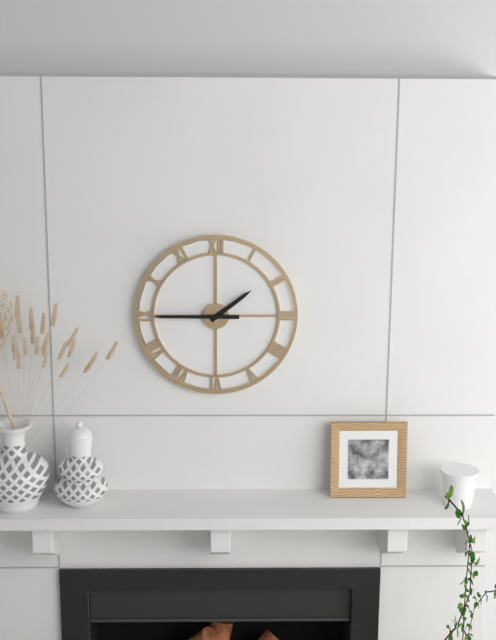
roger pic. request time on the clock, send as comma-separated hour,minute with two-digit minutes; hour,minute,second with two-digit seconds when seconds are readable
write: 1,45
